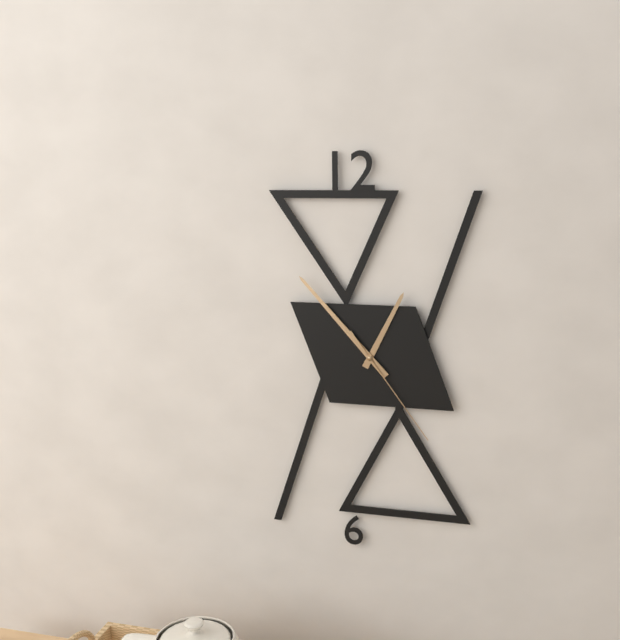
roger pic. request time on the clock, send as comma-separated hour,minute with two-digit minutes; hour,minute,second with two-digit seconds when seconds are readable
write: 12,53,24
